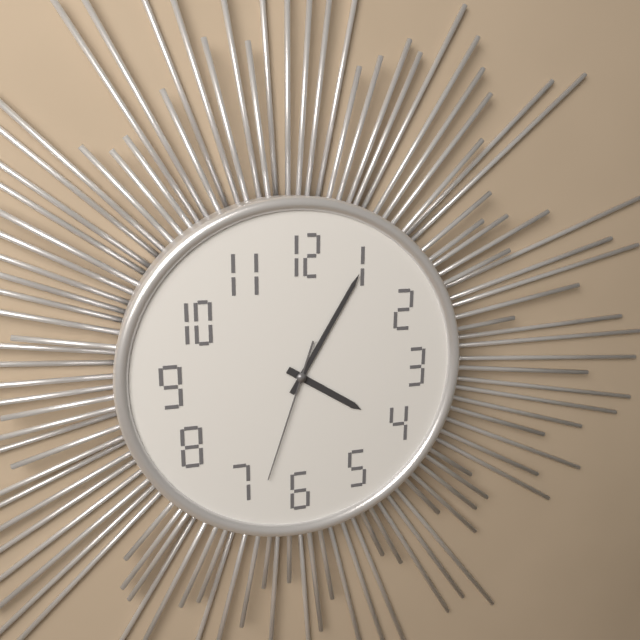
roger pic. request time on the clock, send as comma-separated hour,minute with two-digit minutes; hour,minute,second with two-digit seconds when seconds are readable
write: 4,05,33
